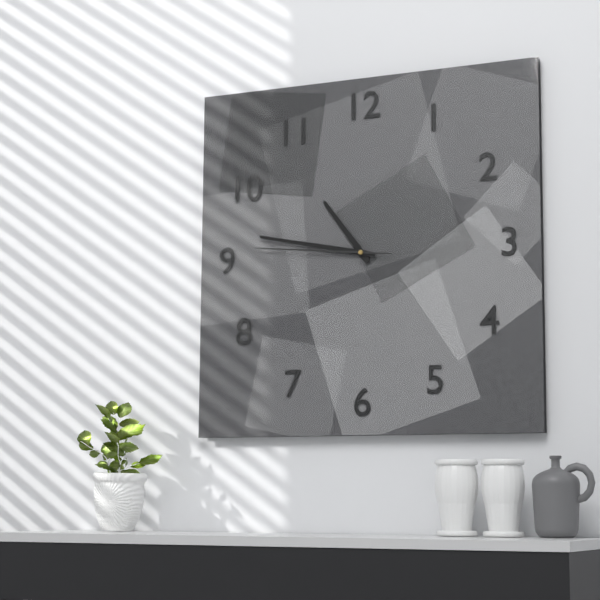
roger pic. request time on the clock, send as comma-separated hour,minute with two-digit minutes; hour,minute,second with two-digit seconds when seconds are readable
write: 10,47,46
